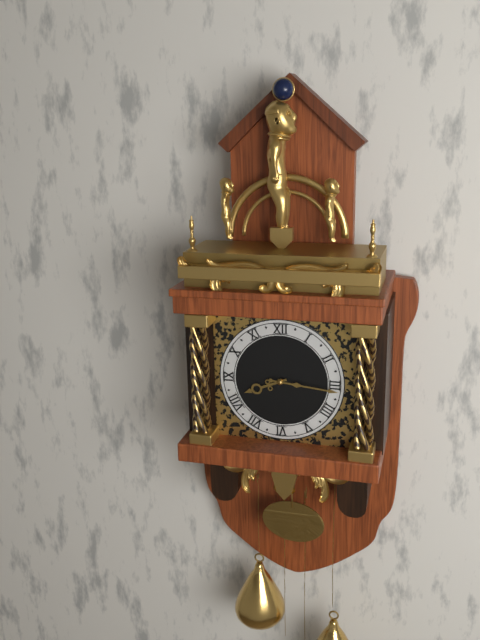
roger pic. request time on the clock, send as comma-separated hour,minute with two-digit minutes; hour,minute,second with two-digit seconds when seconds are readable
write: 8,16
